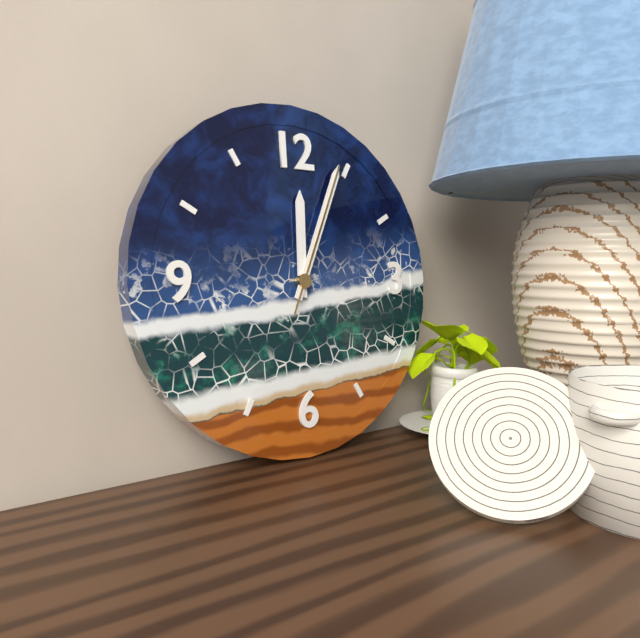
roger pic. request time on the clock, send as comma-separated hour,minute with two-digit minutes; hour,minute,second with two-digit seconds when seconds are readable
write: 12,04,04
